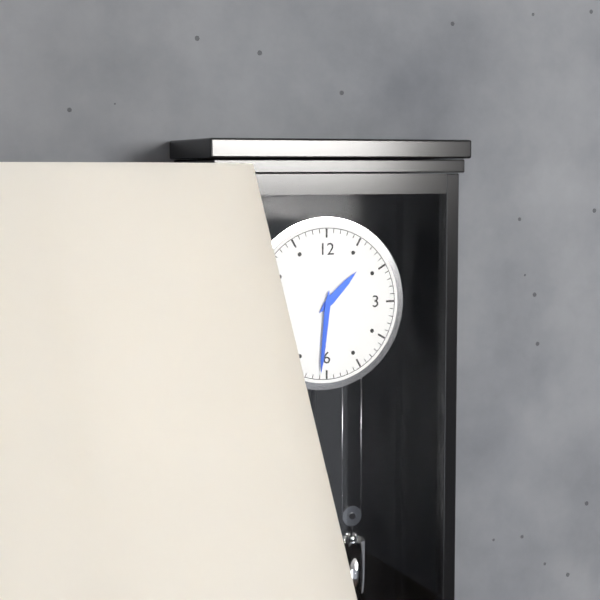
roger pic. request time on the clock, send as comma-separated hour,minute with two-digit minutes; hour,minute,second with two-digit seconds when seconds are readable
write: 1,31
